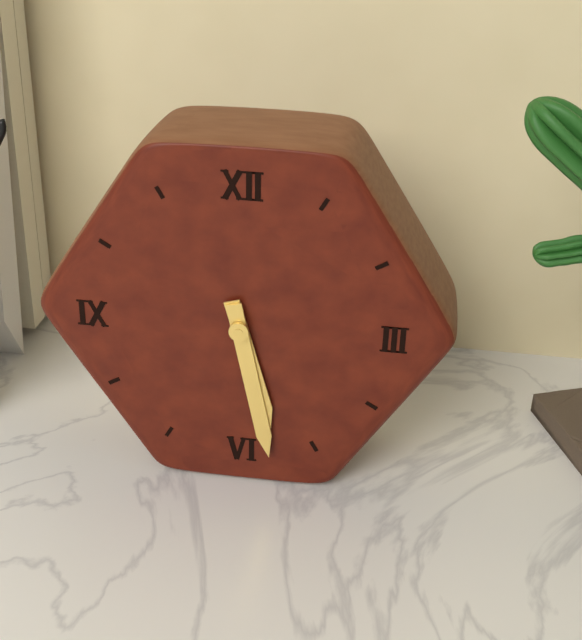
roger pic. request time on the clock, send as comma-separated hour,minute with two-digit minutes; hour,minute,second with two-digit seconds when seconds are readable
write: 5,28
